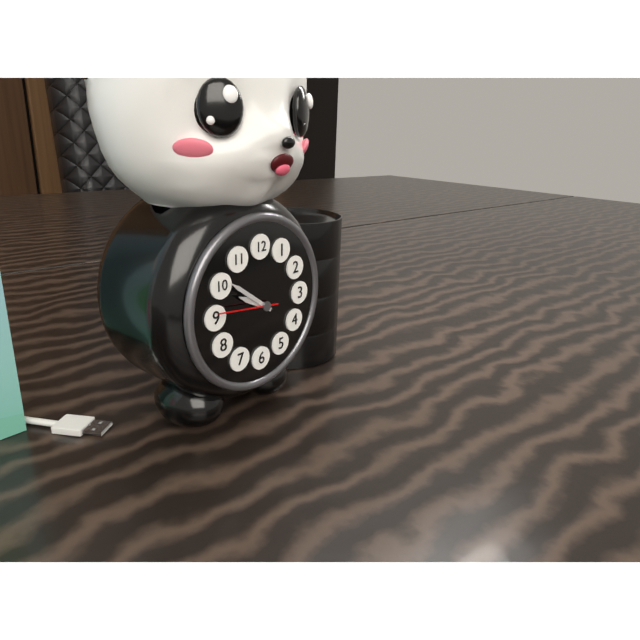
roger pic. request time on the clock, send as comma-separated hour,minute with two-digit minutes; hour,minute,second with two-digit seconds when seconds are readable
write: 9,51,46
